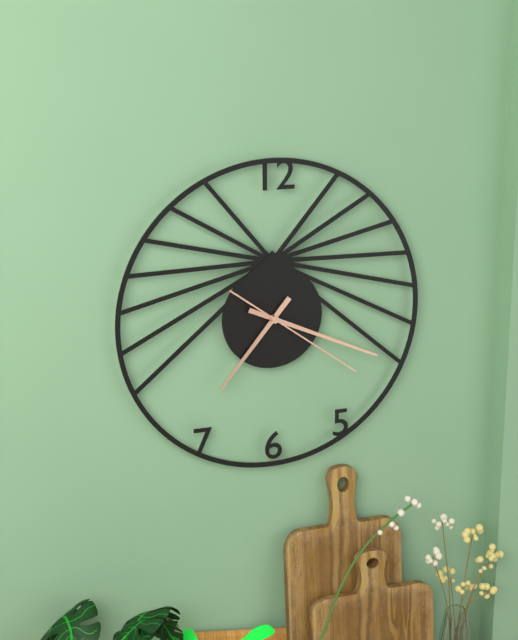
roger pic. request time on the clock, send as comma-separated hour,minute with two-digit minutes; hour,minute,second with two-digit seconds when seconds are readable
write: 7,19,21
